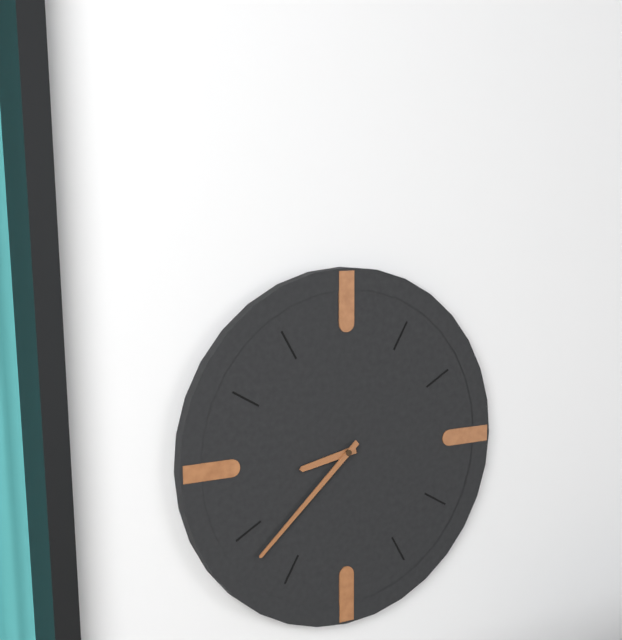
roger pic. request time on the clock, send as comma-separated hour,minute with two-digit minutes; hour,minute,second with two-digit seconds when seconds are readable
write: 8,38
